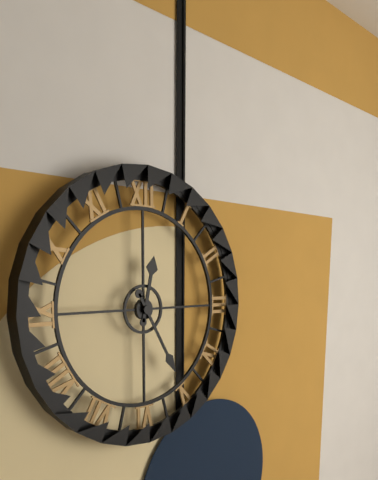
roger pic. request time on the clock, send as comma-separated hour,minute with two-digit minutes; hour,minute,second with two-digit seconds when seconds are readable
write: 12,25
